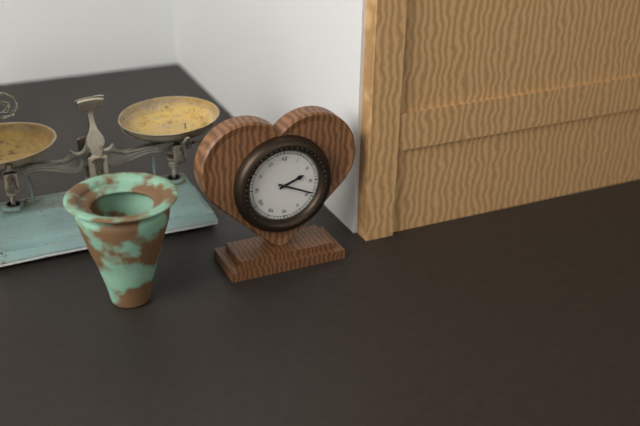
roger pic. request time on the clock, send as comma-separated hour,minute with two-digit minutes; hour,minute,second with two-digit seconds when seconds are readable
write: 2,19
